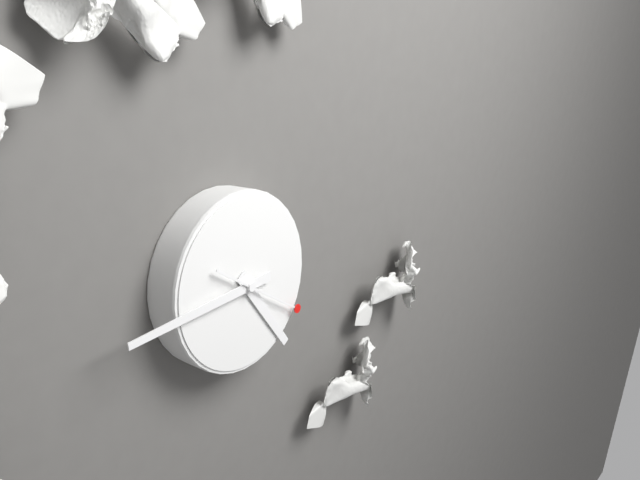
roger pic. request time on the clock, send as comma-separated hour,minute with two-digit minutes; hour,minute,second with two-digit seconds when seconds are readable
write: 4,44,20
